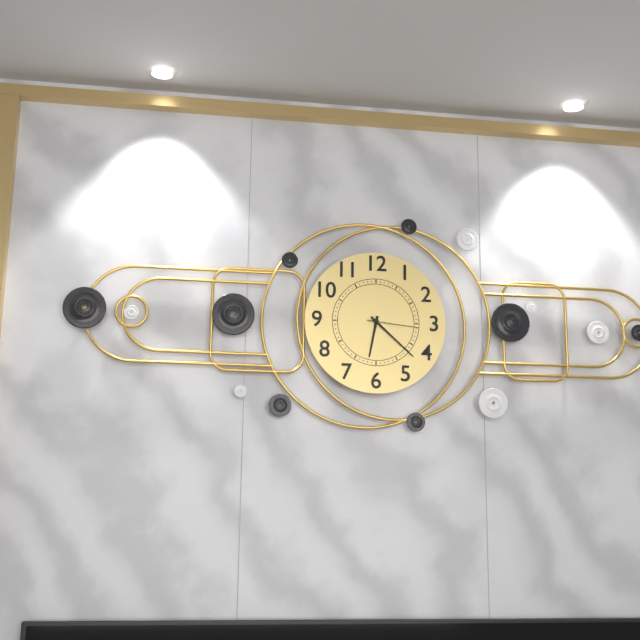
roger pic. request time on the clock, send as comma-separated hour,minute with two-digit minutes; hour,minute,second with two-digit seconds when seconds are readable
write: 6,22,16
